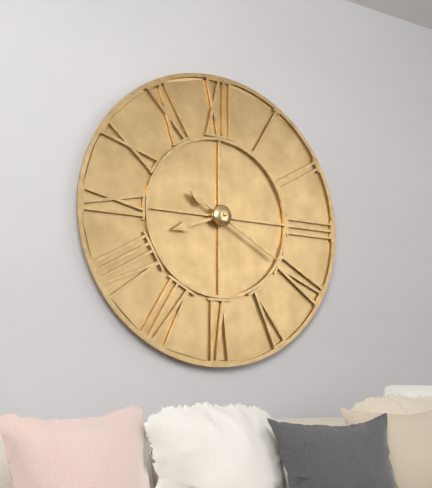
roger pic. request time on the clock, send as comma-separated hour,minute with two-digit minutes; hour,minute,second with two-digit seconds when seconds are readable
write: 8,20
